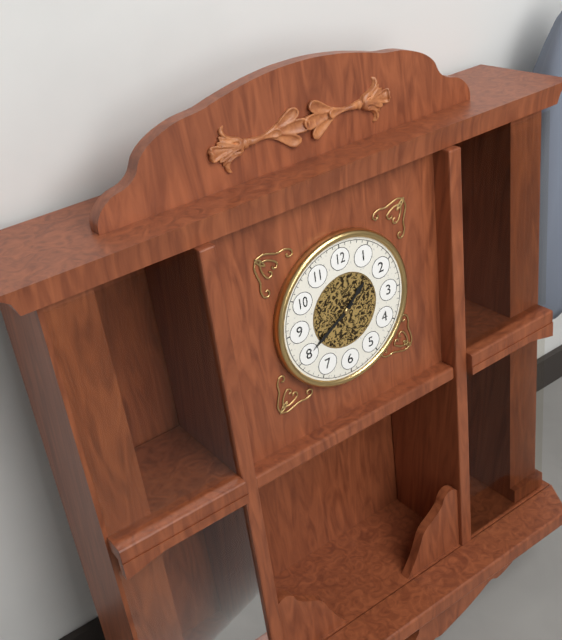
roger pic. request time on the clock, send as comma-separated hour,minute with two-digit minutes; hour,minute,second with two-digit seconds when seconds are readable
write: 1,40
